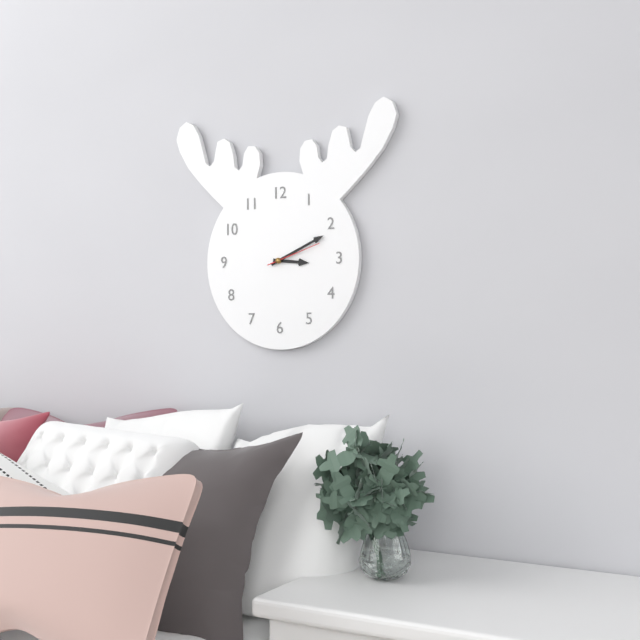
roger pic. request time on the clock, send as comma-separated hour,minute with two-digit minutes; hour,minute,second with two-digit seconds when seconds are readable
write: 3,11,12
